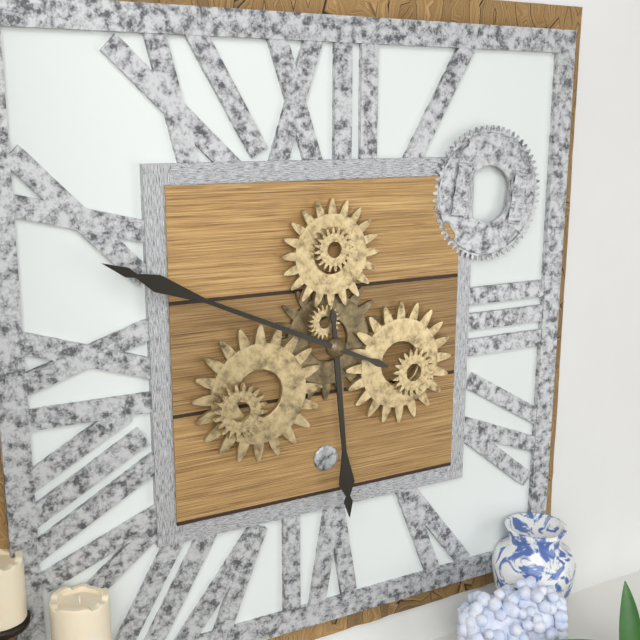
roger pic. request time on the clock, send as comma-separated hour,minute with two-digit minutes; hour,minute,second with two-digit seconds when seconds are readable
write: 5,49
